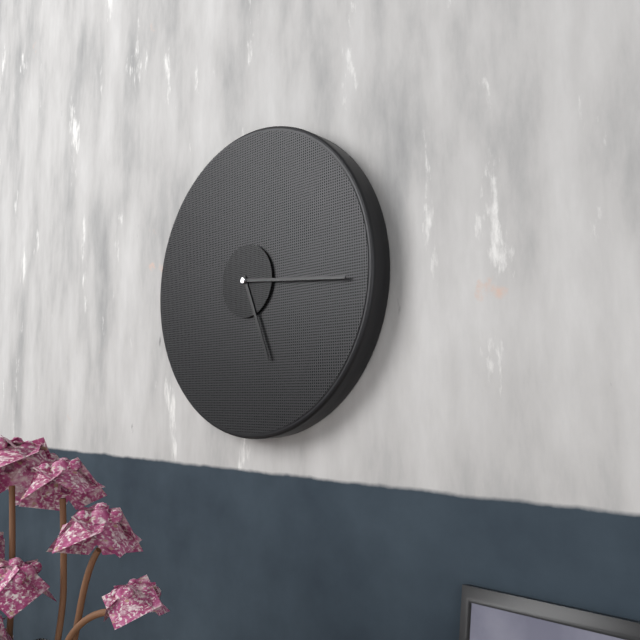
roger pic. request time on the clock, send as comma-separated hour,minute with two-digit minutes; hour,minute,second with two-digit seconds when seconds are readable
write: 5,16
